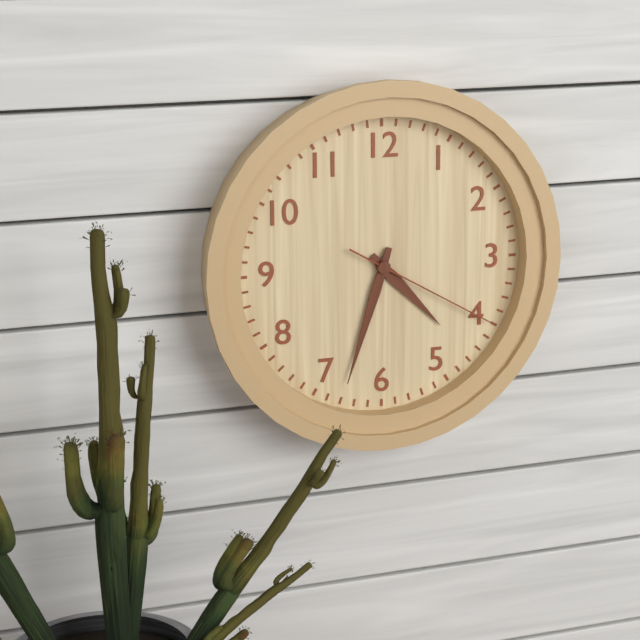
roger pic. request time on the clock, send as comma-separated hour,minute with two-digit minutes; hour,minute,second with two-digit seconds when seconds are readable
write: 4,33,20
